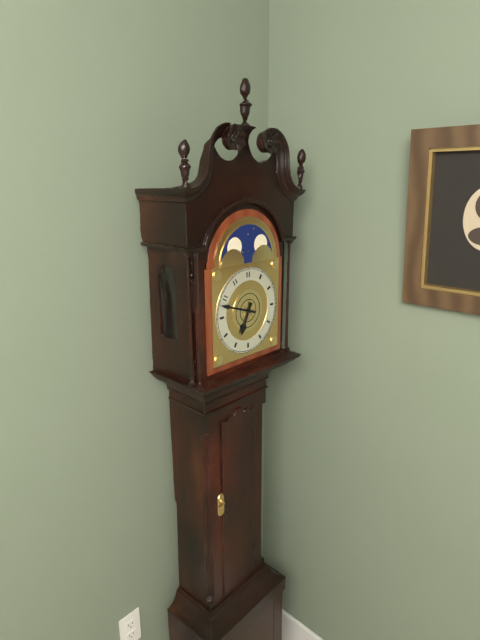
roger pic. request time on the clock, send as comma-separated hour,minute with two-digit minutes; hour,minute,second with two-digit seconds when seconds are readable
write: 6,48
